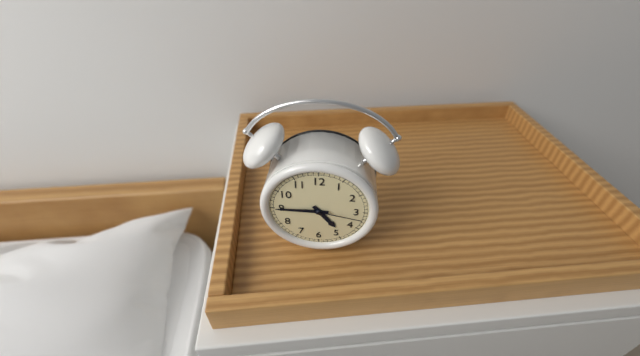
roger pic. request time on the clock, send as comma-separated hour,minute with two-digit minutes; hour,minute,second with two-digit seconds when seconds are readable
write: 4,45,17
